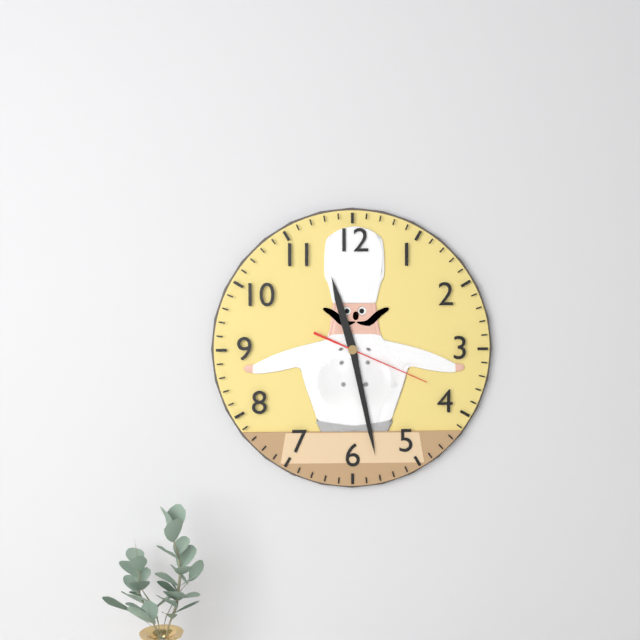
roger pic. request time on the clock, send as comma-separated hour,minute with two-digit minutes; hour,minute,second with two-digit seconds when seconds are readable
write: 11,28,19
